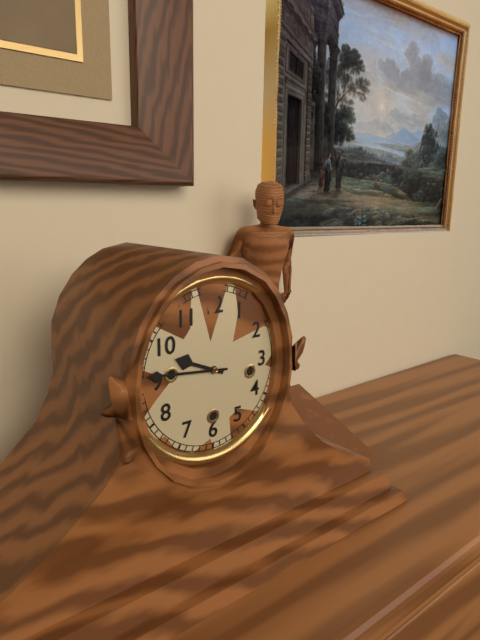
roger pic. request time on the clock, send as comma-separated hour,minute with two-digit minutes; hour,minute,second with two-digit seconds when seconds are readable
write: 9,46
